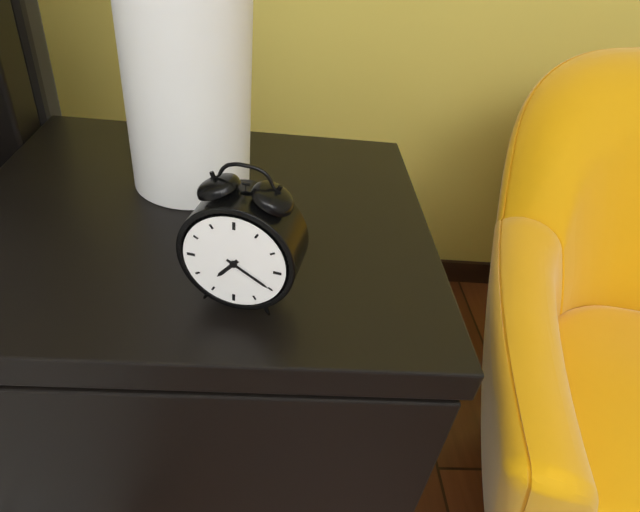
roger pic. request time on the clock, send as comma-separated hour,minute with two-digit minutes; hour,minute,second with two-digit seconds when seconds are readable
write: 7,20
